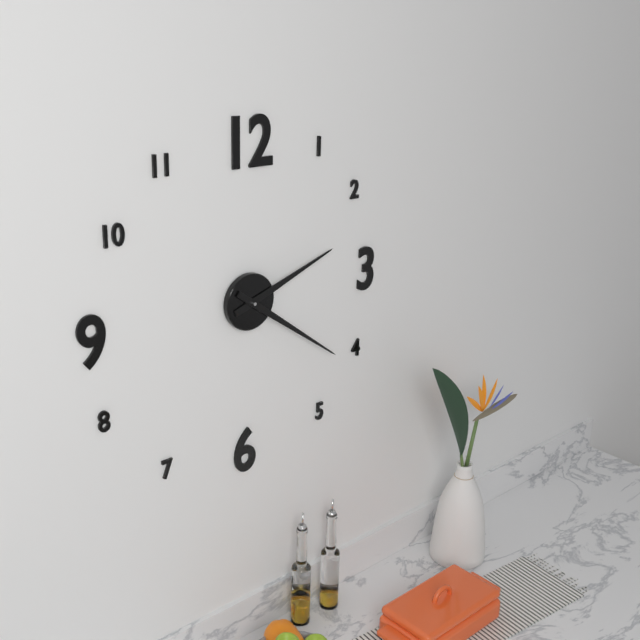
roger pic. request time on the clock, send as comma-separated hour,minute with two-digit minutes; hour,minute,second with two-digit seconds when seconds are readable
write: 2,21
